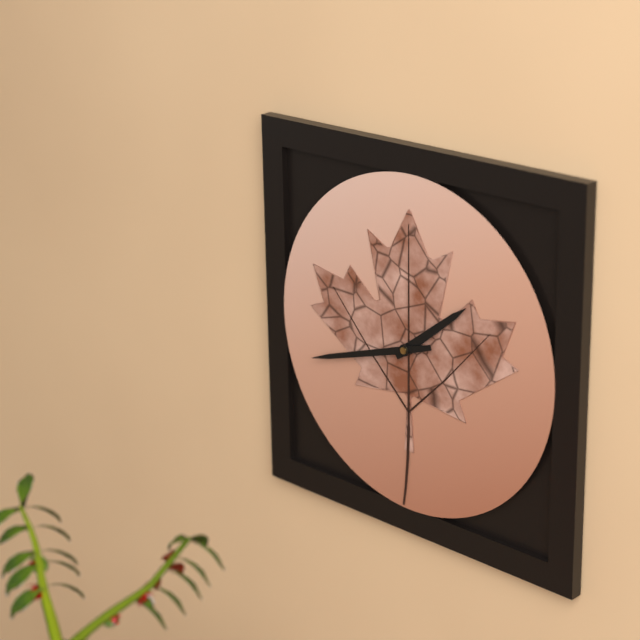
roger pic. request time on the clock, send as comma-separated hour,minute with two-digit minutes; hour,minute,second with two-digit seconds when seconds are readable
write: 1,42
